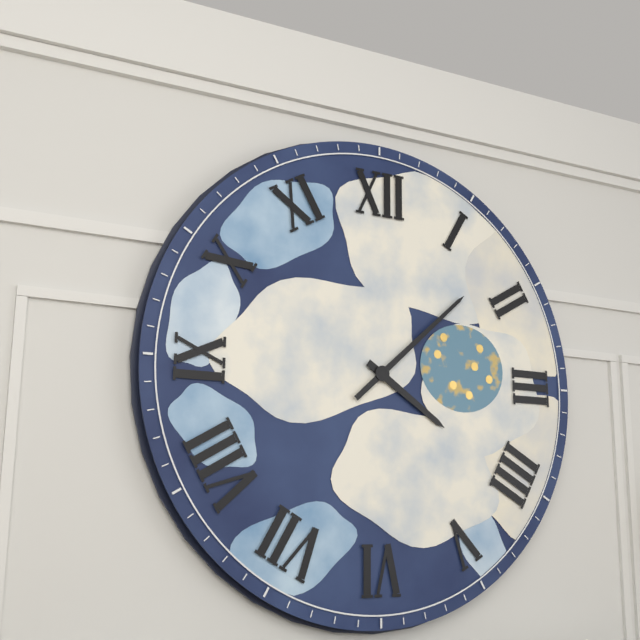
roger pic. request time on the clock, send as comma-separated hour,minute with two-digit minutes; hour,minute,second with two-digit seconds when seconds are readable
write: 4,08
